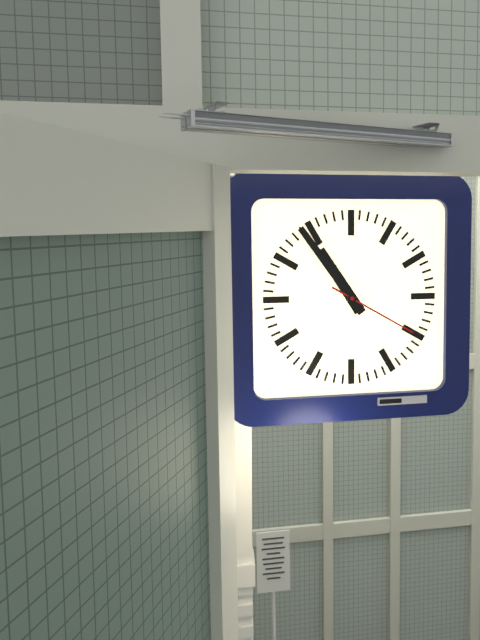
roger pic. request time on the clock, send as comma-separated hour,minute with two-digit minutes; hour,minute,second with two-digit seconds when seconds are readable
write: 10,54,20
